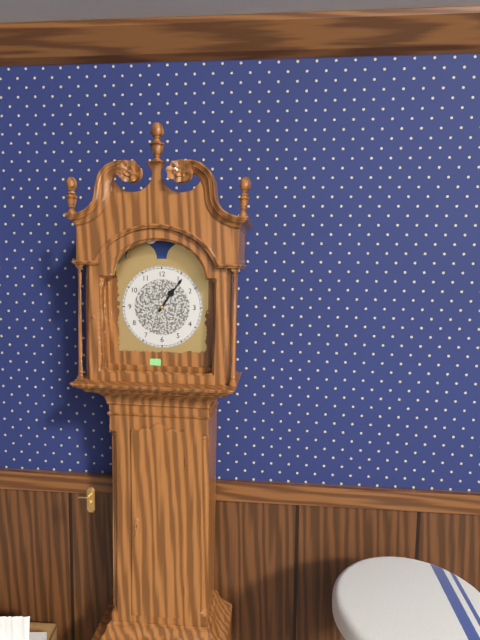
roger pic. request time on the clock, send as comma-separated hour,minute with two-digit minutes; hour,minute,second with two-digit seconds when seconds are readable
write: 1,06
